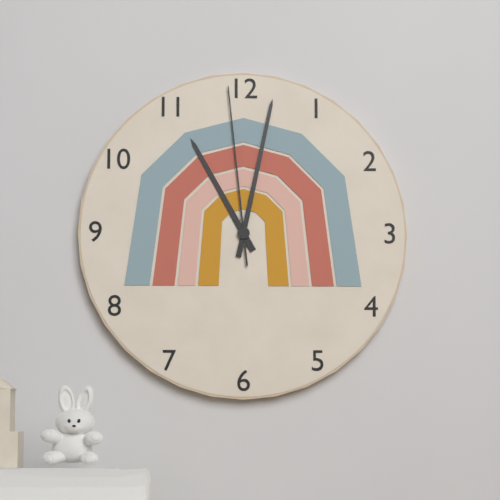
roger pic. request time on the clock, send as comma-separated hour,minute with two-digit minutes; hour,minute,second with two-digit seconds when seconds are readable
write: 11,02,59
